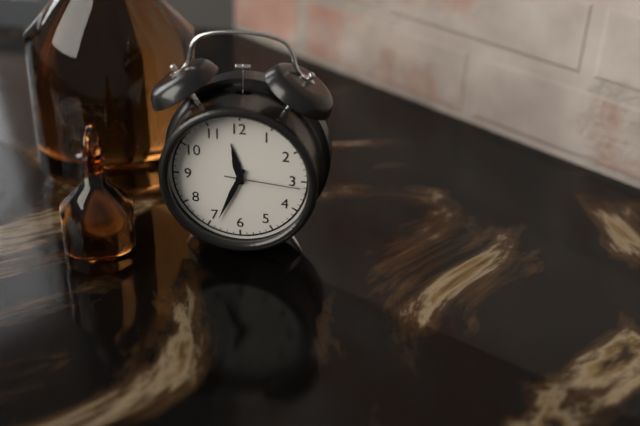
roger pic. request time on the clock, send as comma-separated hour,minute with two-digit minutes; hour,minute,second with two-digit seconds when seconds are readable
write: 11,34,16
